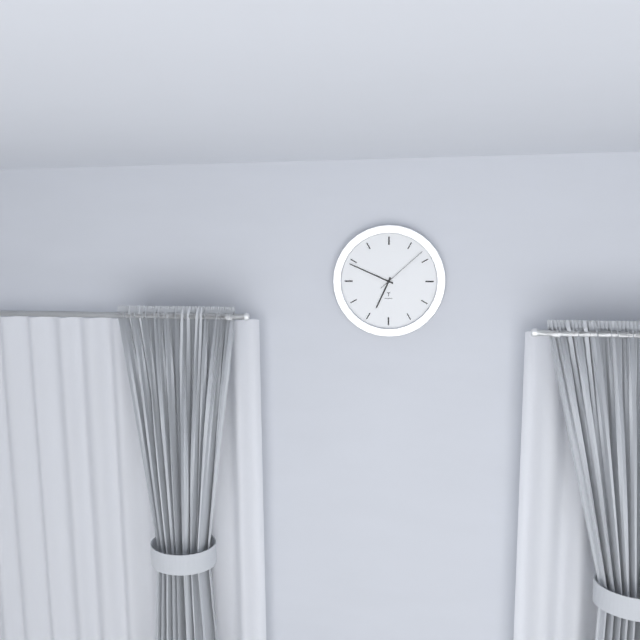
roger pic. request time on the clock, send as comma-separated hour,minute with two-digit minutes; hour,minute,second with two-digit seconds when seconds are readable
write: 6,49,08
